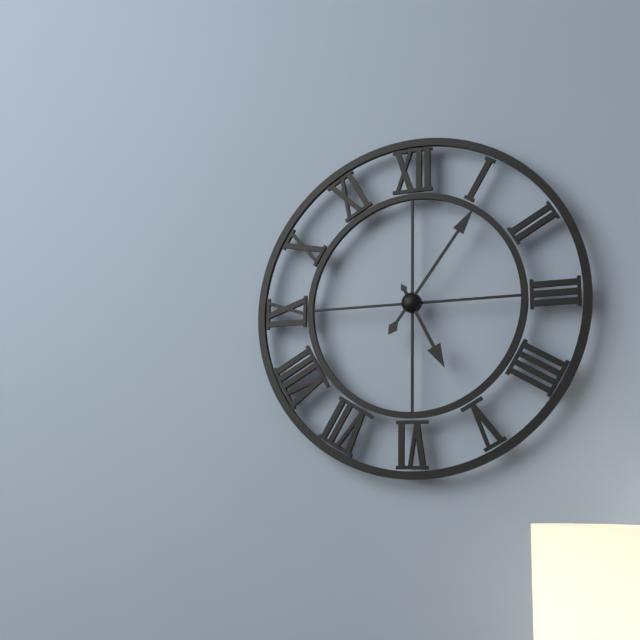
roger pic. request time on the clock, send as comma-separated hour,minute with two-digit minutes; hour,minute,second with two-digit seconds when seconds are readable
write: 5,06
